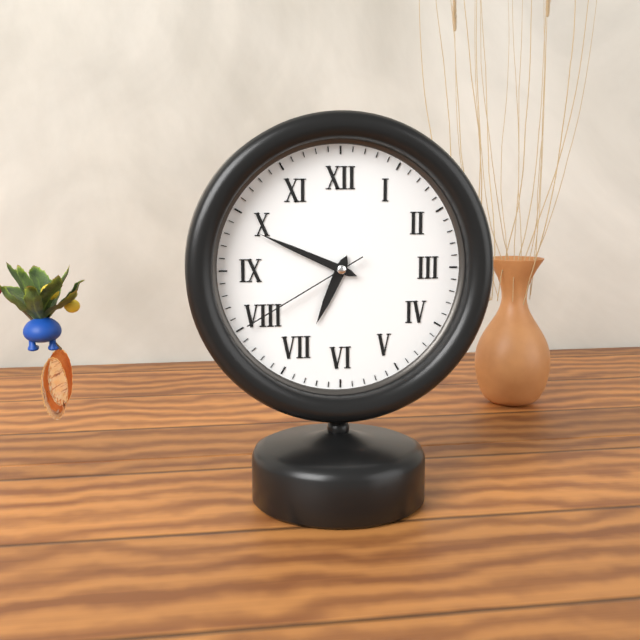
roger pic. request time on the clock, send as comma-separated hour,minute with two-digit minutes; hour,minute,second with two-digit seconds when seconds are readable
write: 6,49,40
